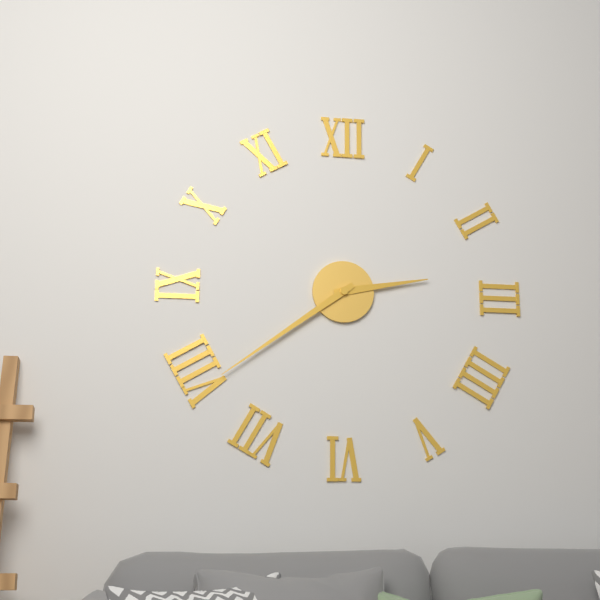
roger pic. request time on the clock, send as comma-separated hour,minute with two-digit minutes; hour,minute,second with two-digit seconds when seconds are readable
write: 2,39
